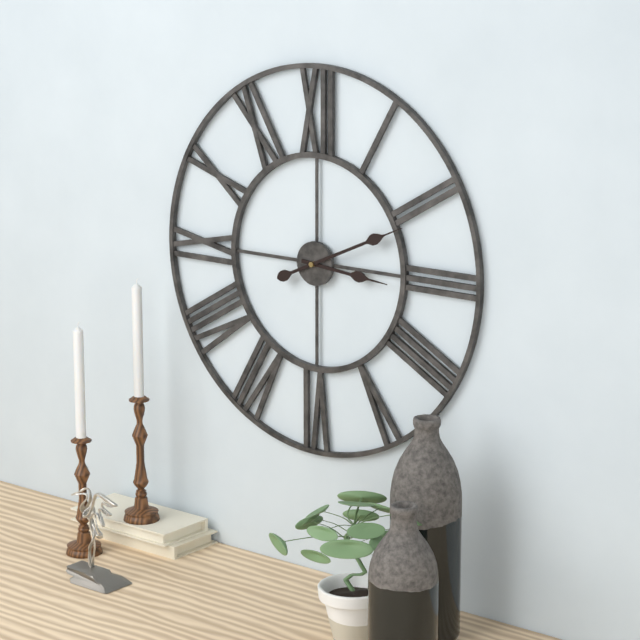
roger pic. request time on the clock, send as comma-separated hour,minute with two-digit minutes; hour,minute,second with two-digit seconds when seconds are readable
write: 3,11
